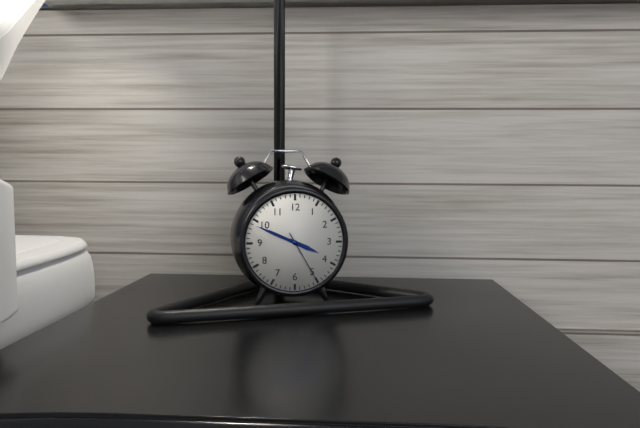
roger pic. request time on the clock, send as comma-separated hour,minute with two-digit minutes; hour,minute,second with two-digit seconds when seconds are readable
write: 3,49,25
